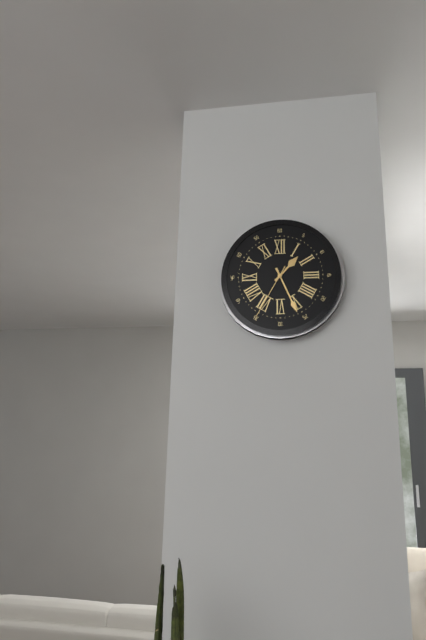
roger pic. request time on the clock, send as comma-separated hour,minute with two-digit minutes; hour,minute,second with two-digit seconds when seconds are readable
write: 1,26,35
